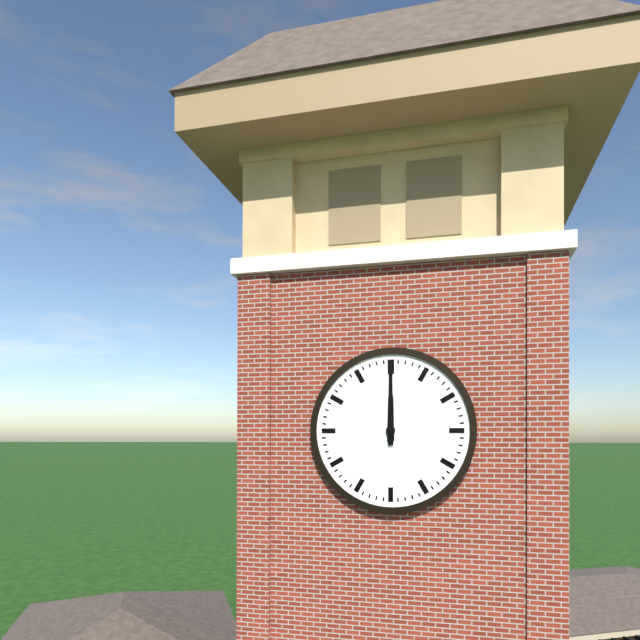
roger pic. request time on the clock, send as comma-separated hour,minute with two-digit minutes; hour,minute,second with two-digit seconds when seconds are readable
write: 12,00
